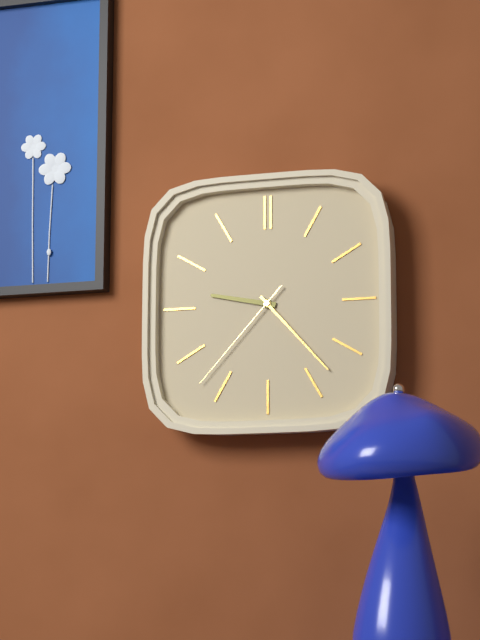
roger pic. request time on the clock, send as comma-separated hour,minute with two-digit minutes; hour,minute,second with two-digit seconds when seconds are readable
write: 9,23,37
